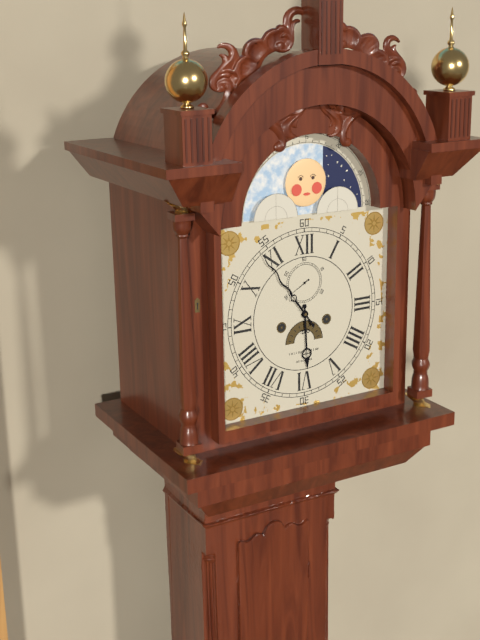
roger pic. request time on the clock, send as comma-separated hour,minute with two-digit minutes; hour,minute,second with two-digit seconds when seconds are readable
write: 5,54
